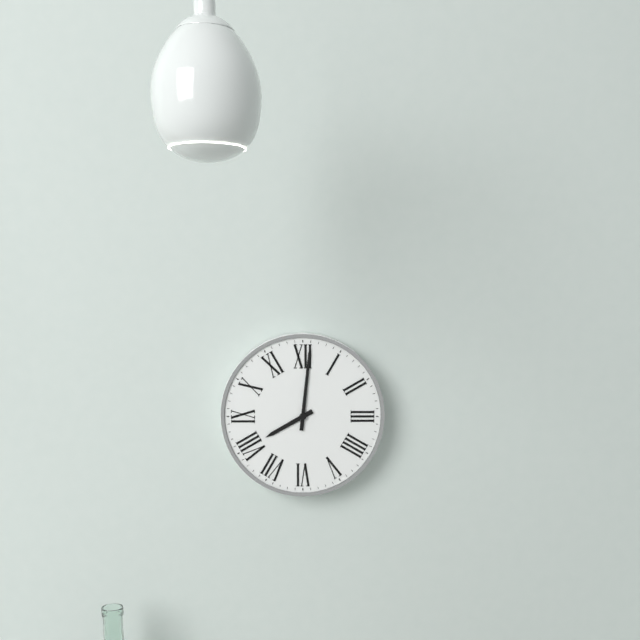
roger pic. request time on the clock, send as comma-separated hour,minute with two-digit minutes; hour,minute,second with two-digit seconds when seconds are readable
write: 8,01
